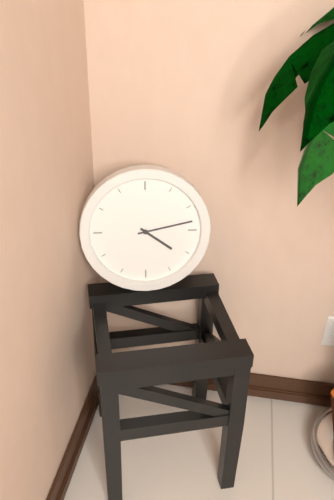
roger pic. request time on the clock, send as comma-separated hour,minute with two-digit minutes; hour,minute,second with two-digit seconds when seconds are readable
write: 4,13
